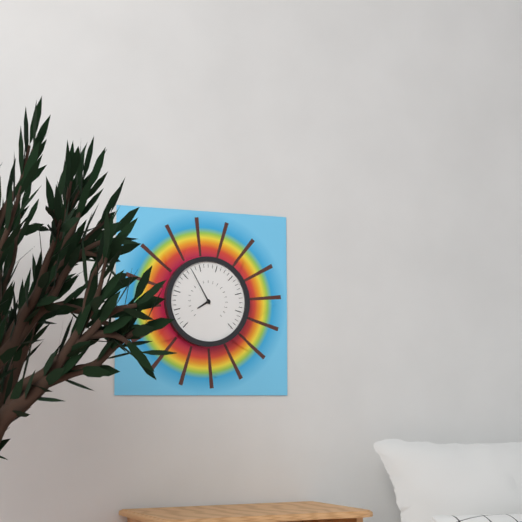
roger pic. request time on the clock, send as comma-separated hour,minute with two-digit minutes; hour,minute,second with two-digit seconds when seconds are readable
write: 7,55
